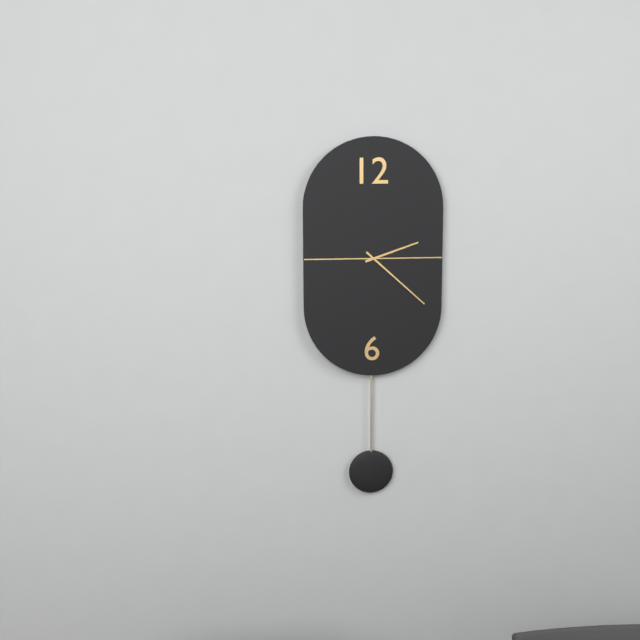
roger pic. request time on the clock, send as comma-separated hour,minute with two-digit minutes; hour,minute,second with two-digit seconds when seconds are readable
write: 2,22
